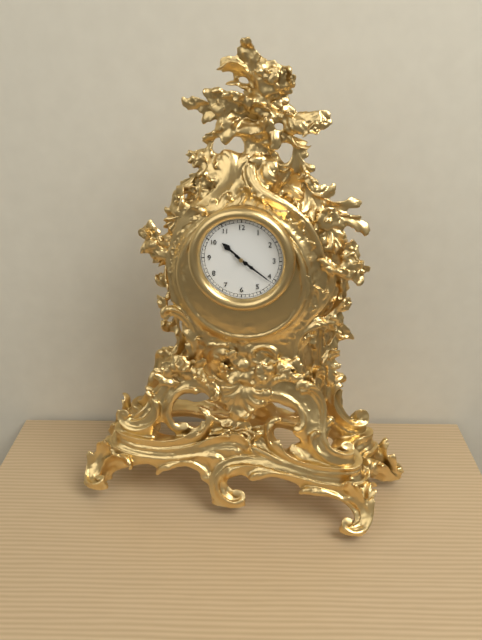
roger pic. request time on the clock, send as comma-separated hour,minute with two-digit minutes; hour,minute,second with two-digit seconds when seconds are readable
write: 10,21
